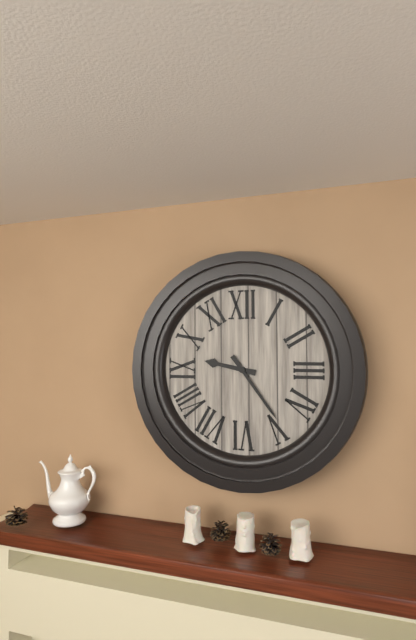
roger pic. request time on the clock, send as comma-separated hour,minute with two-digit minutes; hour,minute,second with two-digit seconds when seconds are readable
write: 9,24
